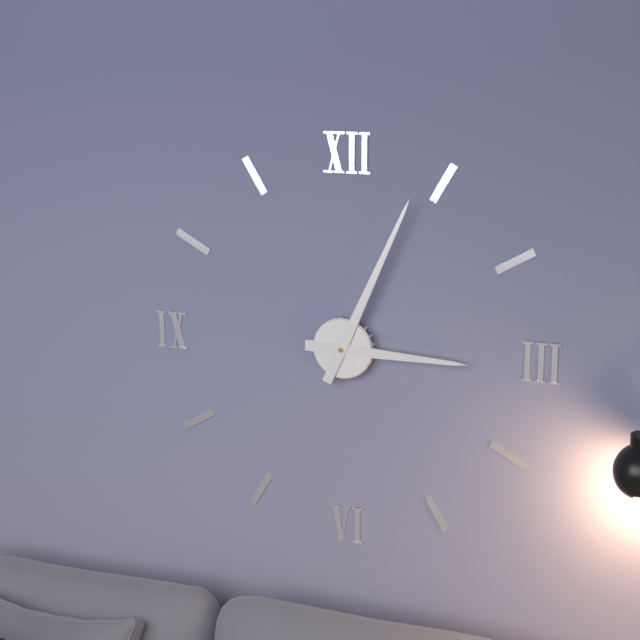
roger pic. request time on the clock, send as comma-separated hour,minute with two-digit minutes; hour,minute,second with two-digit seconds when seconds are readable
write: 3,04
